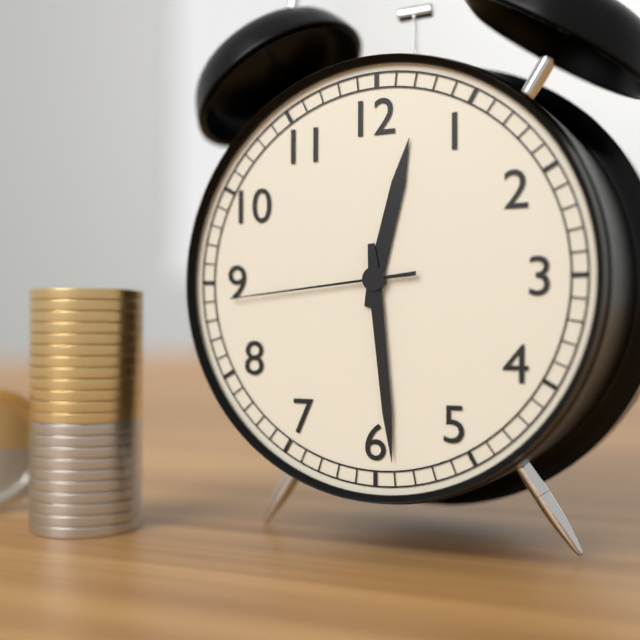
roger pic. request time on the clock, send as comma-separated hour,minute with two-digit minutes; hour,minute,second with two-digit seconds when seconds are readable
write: 12,29,44
